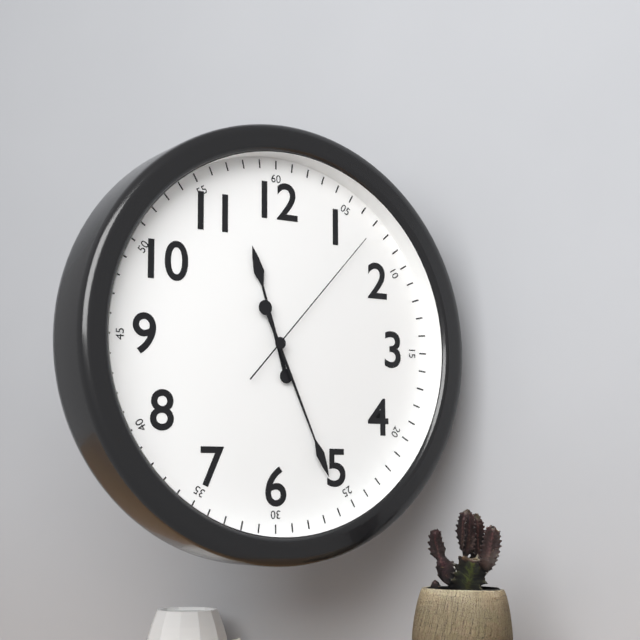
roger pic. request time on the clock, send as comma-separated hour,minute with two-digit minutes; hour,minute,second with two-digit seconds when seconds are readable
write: 11,26,07
